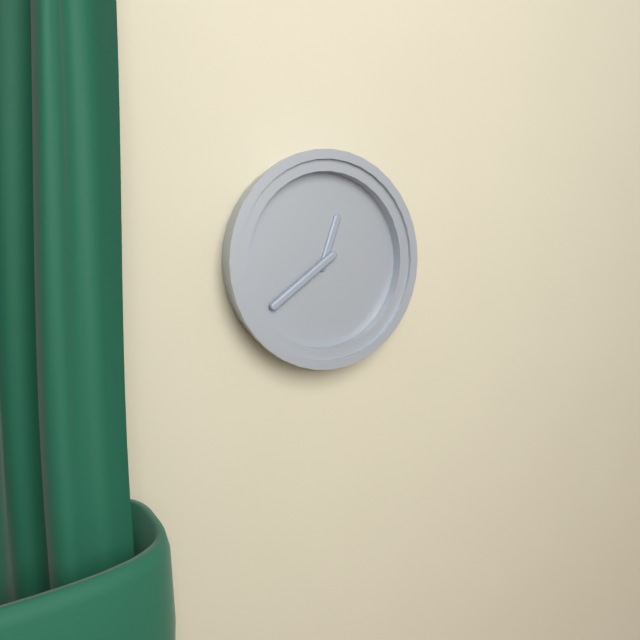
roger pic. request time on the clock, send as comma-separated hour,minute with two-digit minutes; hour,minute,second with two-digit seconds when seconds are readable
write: 12,39
